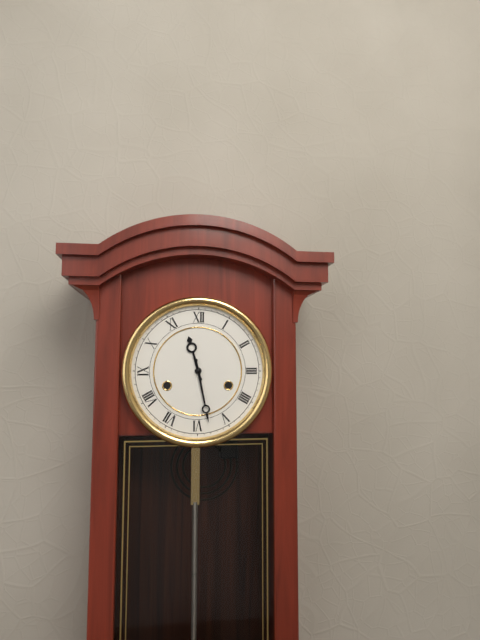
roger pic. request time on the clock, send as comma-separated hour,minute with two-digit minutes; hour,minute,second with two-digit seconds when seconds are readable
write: 11,28
